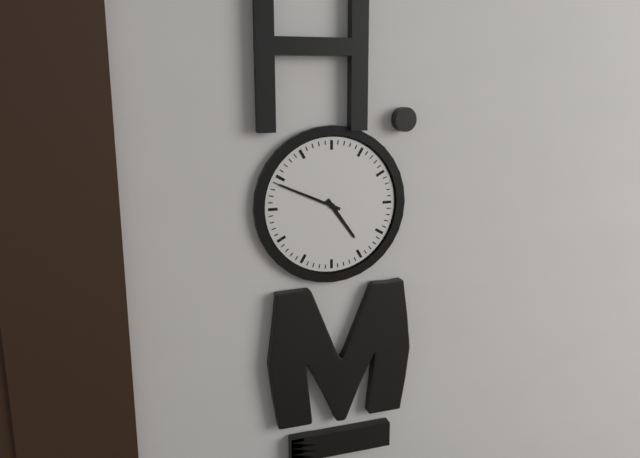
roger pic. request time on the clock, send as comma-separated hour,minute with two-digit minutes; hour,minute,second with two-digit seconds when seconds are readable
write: 4,49
